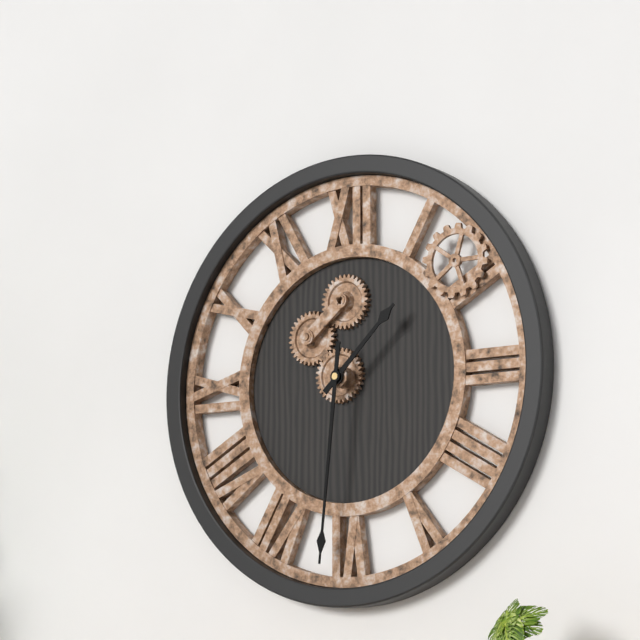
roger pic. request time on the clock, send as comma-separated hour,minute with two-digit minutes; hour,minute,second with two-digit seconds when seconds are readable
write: 1,31
